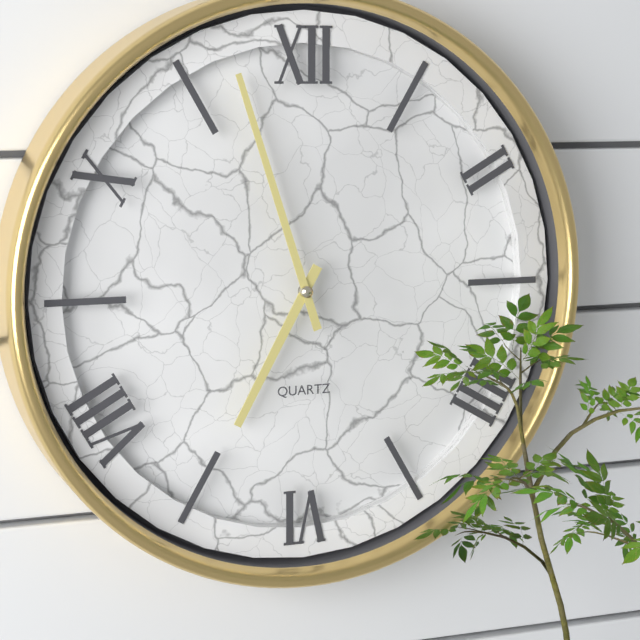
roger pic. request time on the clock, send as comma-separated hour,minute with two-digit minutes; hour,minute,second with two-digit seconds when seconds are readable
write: 6,57
